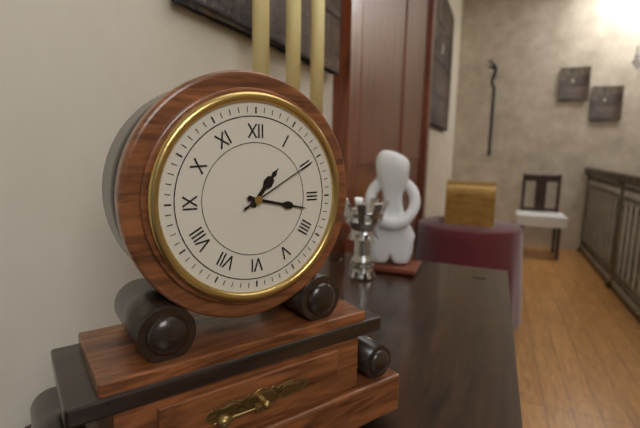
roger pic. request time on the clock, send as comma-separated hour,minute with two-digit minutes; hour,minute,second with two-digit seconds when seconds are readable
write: 1,17,10
